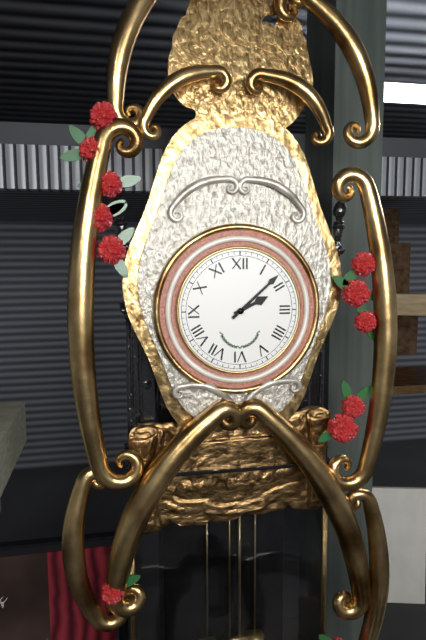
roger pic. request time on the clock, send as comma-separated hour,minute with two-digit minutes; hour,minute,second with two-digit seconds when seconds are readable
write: 2,08
